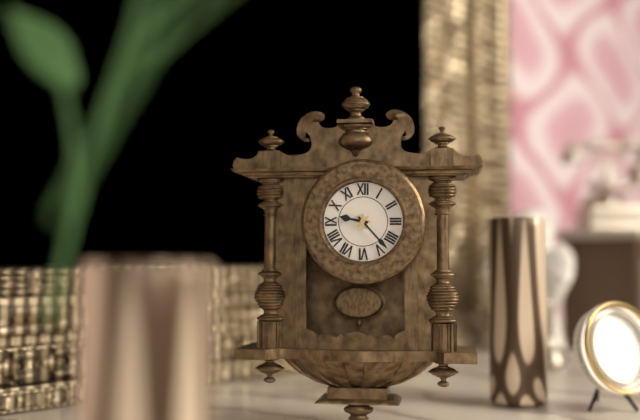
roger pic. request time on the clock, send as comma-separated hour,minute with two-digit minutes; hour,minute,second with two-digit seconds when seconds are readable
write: 9,23
